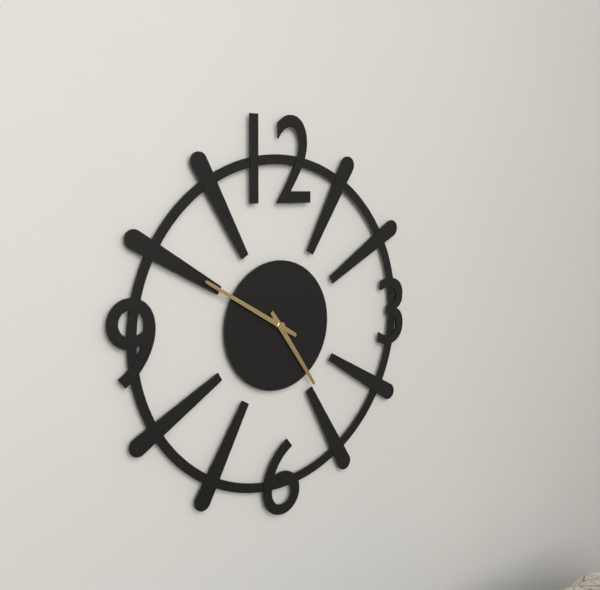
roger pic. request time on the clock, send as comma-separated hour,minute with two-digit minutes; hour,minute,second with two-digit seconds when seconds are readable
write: 4,50
